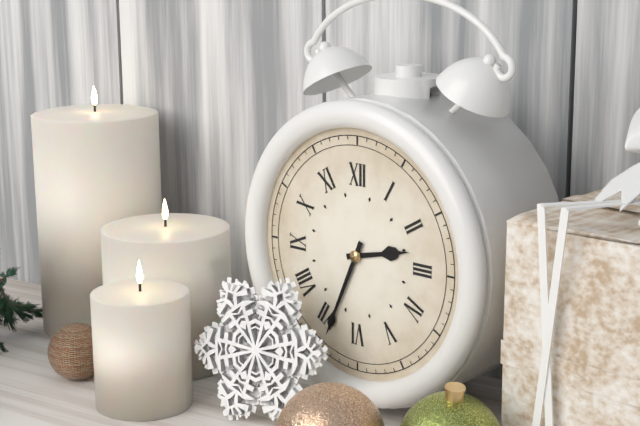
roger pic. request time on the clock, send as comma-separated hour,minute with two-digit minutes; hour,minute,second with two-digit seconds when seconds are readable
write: 2,34
